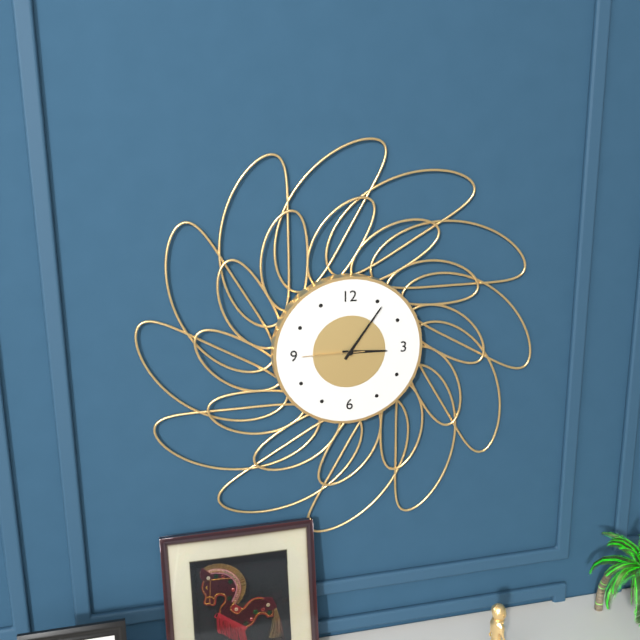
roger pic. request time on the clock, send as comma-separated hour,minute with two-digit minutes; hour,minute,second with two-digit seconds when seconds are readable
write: 3,06,45
